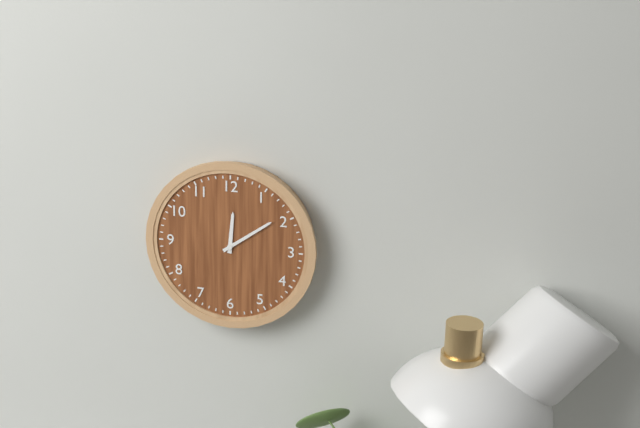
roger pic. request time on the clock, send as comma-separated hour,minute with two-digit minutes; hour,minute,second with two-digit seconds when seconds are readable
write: 12,09
